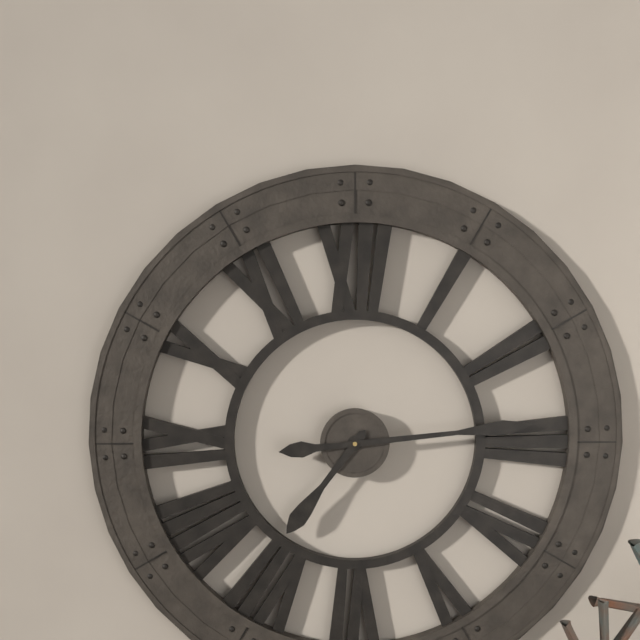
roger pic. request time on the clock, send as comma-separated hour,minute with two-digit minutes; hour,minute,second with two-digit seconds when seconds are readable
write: 7,14
